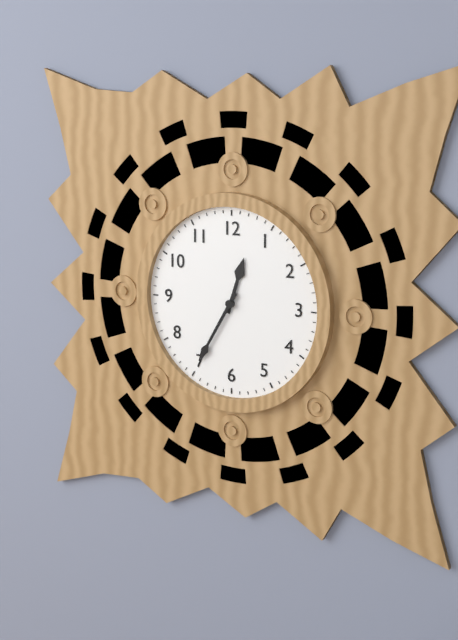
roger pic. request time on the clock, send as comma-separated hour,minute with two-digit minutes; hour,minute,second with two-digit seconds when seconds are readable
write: 12,35
